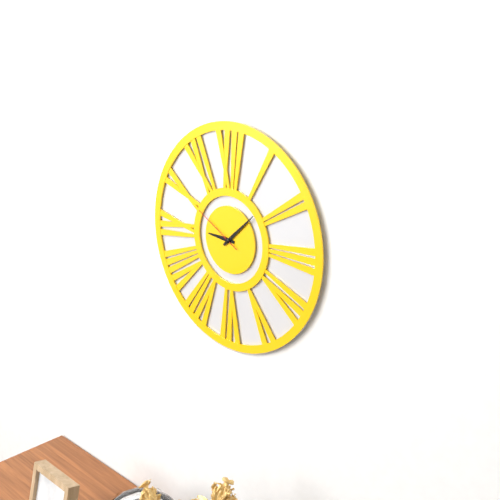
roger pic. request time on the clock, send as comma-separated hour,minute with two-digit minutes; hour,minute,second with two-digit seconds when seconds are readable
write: 9,08,50
